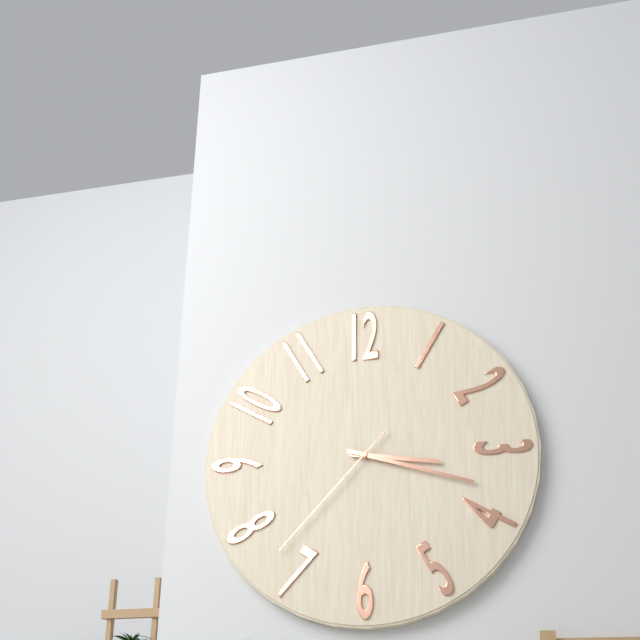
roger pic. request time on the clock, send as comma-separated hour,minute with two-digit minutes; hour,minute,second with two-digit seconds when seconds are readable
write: 3,18,37
